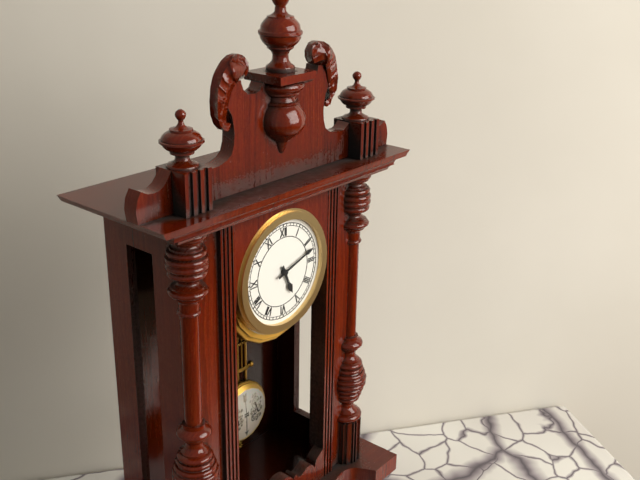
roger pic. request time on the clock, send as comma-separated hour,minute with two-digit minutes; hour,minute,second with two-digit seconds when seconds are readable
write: 5,12
